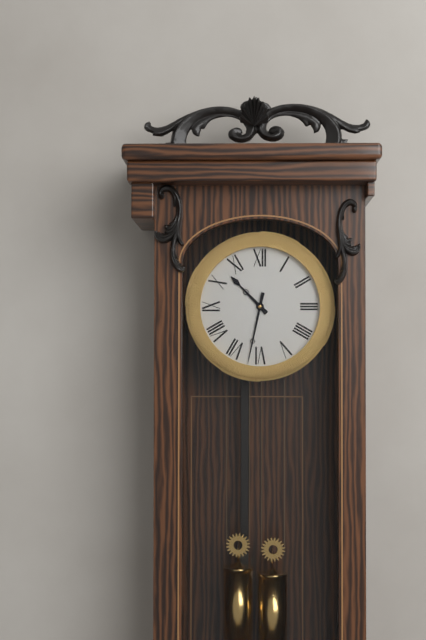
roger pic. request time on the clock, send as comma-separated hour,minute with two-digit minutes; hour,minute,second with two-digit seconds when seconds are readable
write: 10,32
